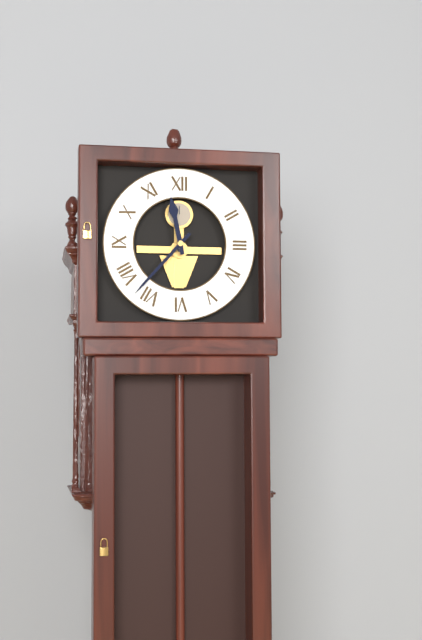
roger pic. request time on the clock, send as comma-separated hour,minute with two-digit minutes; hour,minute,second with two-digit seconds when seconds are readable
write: 11,37
